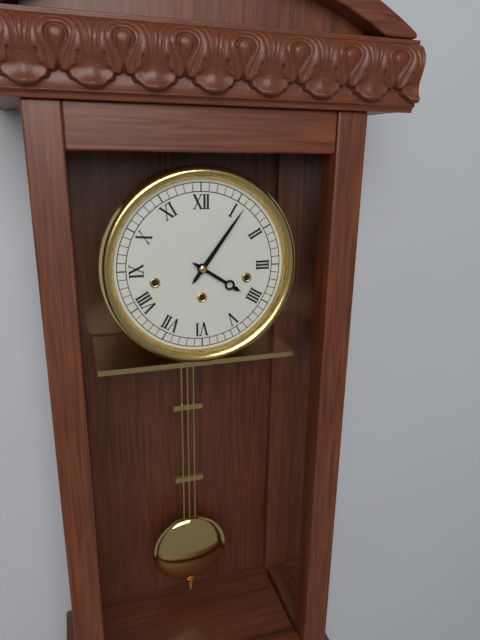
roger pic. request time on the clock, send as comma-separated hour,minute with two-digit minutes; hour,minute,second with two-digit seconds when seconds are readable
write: 4,06
